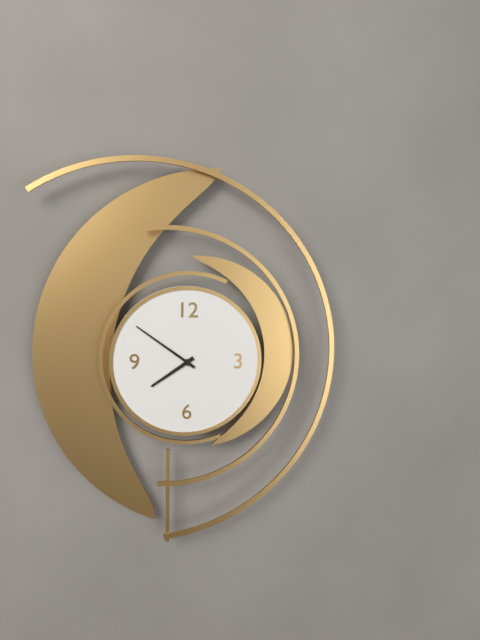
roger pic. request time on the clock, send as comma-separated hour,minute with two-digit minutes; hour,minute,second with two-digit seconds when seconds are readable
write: 7,51
